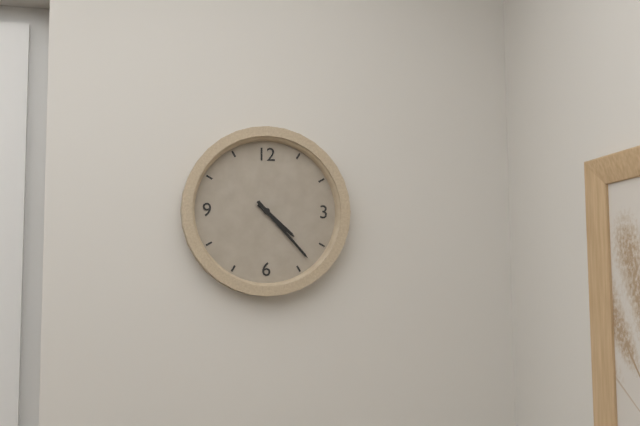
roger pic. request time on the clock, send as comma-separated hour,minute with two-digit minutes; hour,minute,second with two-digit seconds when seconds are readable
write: 4,23
